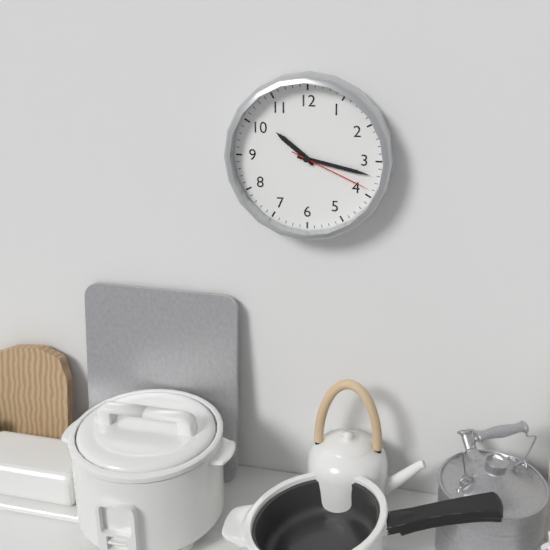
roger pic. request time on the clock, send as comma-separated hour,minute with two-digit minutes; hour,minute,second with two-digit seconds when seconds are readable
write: 10,17,19
